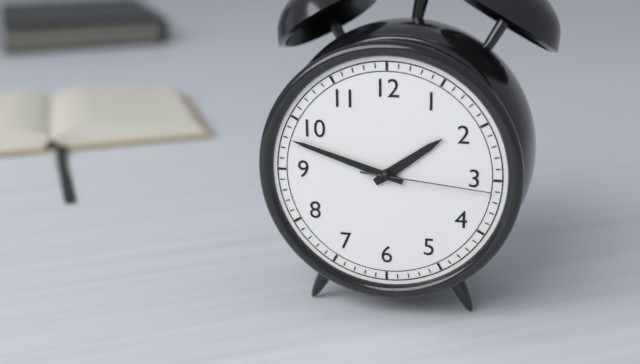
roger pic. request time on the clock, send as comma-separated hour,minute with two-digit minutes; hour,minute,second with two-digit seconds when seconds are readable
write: 1,48,16
